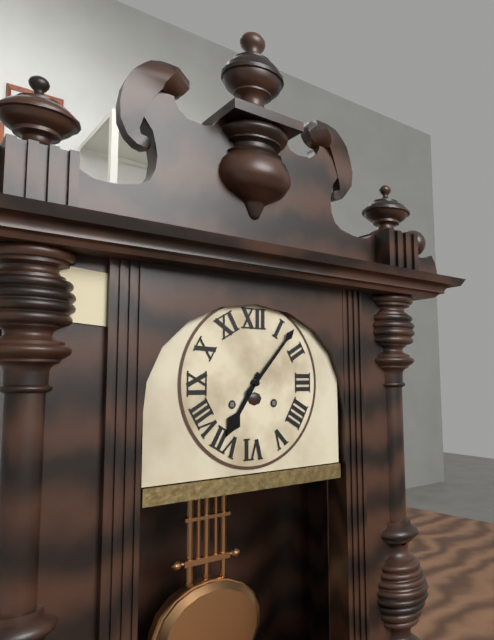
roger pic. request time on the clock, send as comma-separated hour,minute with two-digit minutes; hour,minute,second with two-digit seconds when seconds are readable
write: 7,07
